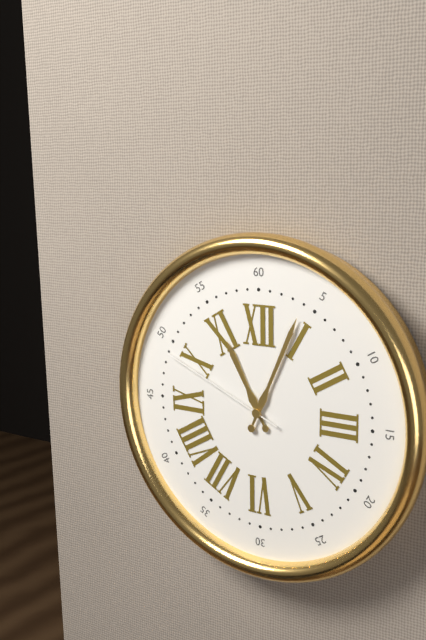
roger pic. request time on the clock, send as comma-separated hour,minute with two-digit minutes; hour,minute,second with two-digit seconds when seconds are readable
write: 11,04,49
